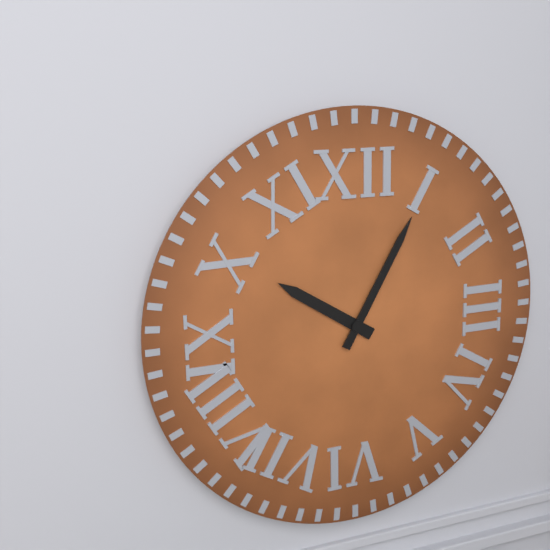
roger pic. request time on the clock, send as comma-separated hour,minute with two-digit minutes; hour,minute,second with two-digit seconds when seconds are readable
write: 10,05
